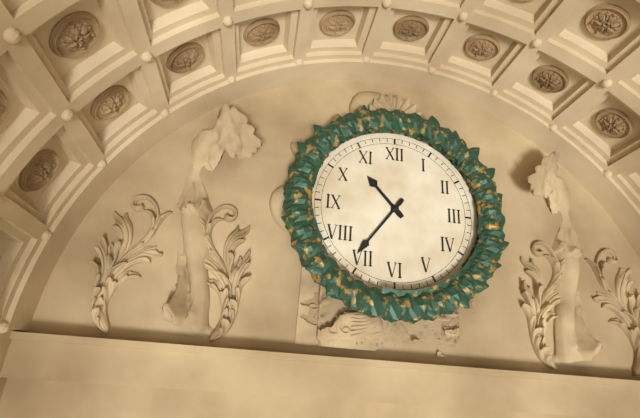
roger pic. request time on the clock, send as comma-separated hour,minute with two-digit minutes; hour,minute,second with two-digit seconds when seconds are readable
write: 10,36
